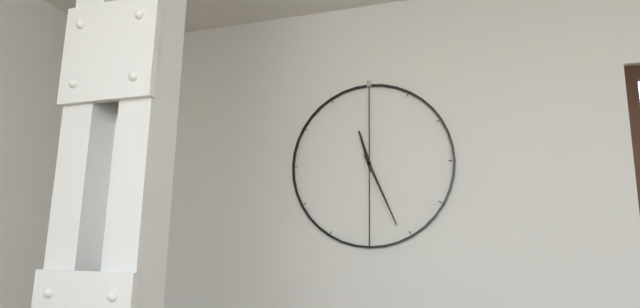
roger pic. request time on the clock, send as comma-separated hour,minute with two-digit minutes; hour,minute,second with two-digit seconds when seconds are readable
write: 11,26
